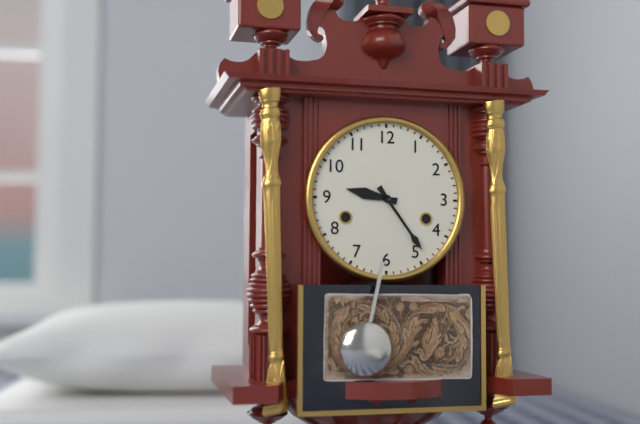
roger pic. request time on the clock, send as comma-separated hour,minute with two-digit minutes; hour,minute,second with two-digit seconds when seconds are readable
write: 9,24
